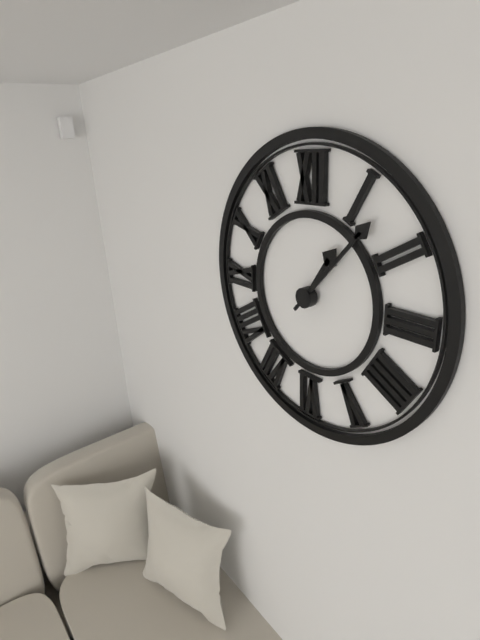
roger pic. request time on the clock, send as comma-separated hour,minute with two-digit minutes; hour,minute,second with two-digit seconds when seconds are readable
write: 1,07
